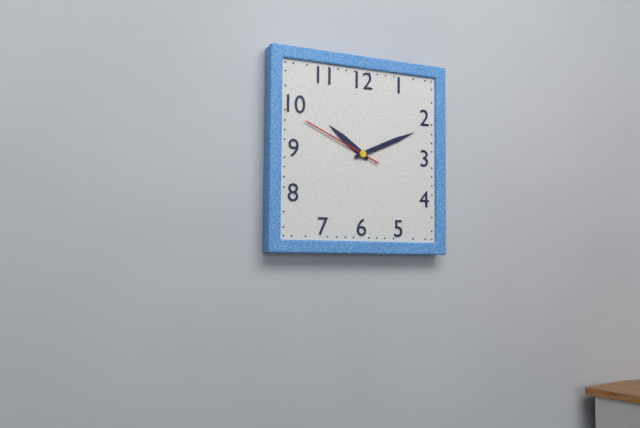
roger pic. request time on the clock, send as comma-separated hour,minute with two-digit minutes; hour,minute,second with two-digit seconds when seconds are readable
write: 10,11,49
